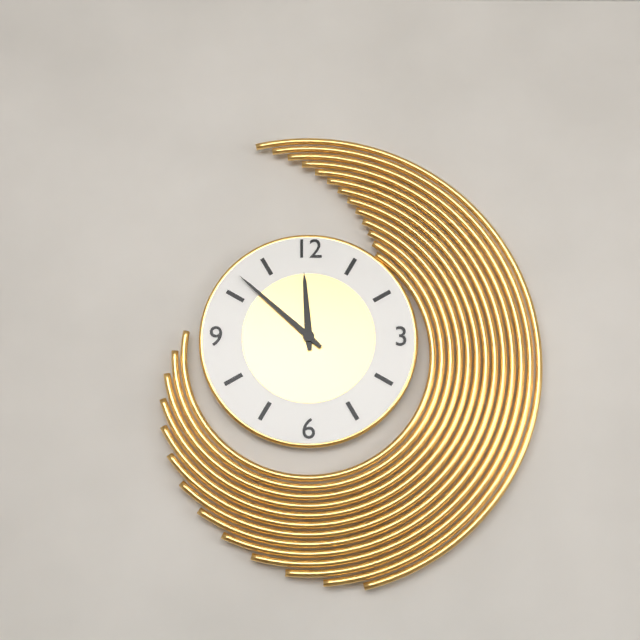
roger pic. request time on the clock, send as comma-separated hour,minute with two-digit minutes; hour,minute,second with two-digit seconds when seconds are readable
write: 11,52
